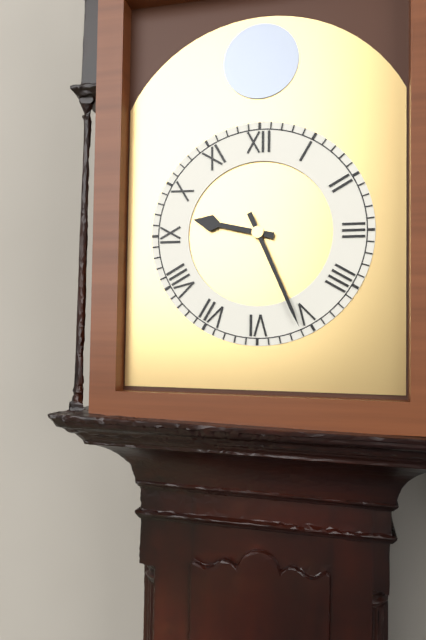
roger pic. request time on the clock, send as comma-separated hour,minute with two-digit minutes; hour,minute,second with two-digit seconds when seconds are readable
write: 9,26
